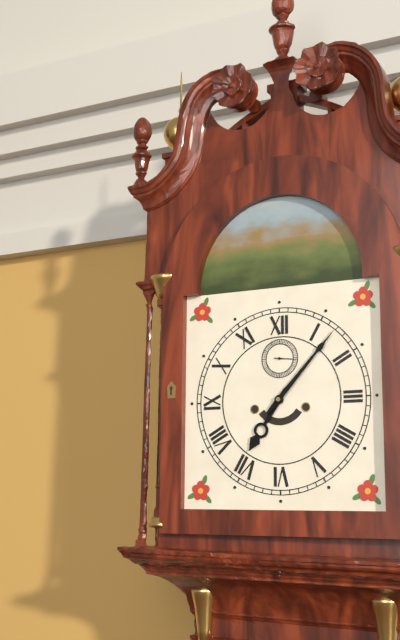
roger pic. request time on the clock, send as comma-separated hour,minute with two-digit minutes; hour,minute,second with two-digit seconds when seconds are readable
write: 7,07
